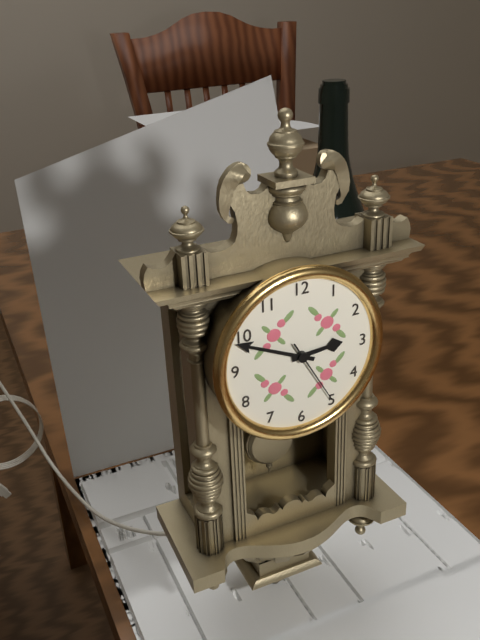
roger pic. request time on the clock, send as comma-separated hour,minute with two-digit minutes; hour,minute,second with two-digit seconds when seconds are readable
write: 2,49,25
